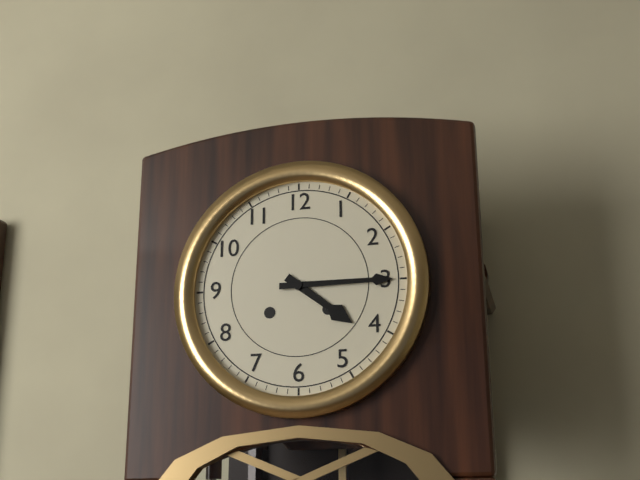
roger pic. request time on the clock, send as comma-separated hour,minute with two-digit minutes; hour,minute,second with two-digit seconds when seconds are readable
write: 4,15
